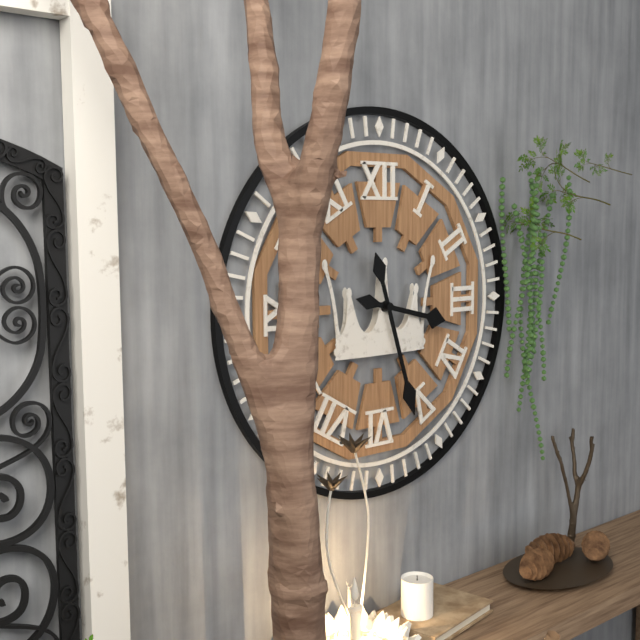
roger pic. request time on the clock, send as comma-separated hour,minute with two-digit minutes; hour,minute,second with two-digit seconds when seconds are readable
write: 3,27
